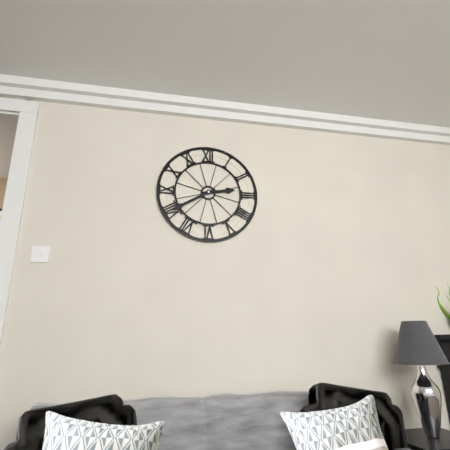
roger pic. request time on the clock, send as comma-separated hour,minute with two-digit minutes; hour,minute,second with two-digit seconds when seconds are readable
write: 2,40
